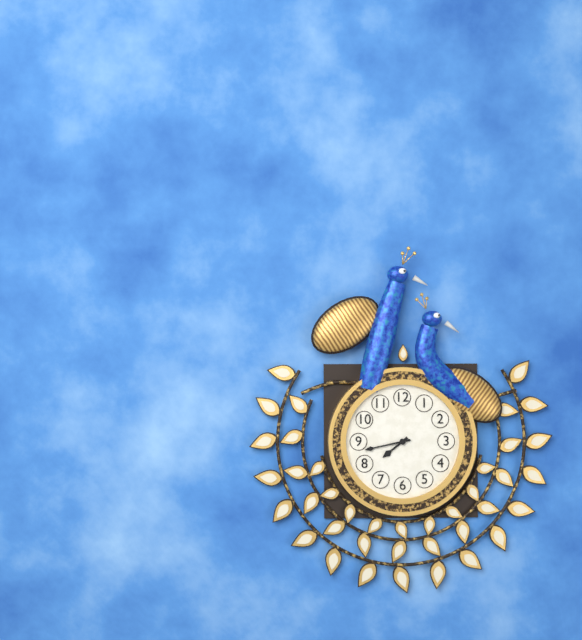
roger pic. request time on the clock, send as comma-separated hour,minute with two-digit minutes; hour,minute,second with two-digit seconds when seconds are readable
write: 7,43
